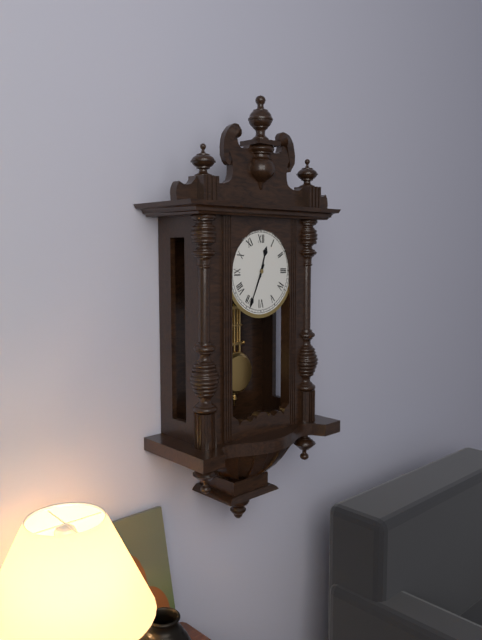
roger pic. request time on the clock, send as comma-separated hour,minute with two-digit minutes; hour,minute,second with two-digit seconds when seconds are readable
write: 12,34
